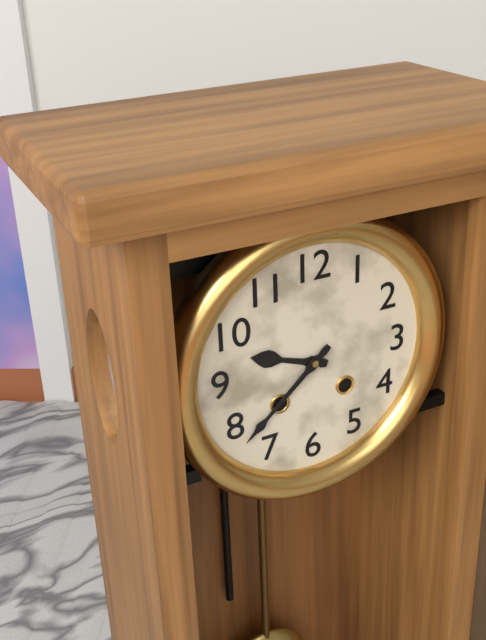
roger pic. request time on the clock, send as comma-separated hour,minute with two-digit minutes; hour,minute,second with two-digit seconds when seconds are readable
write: 9,38
